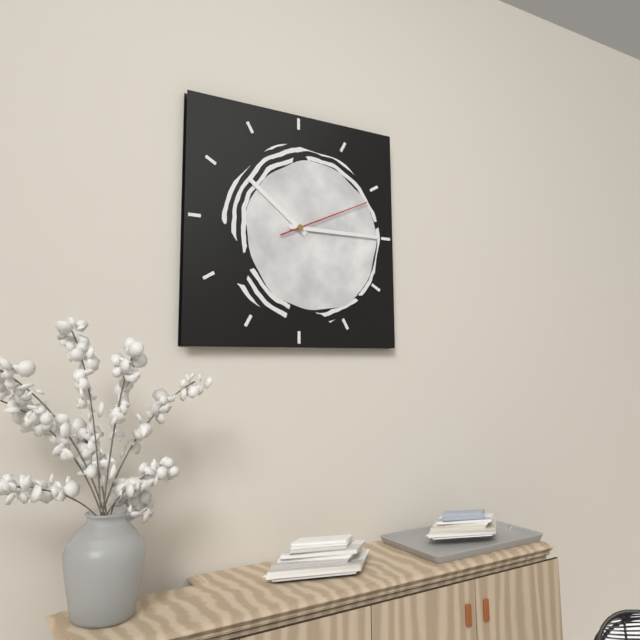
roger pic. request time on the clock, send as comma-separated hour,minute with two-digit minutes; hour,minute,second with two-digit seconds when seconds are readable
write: 10,15,11
